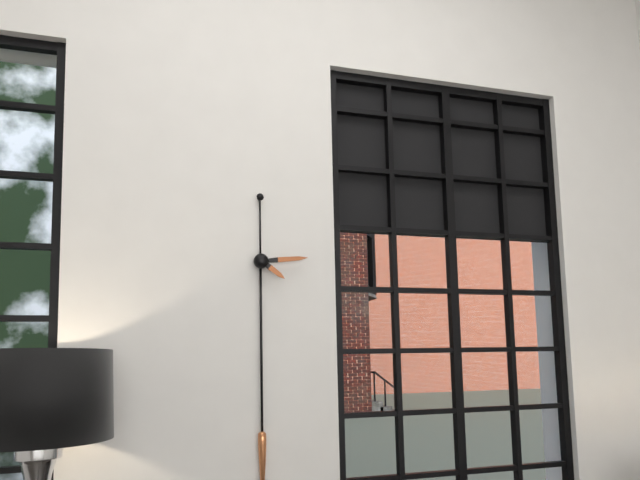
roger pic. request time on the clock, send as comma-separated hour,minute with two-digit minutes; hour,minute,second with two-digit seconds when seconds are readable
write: 4,14
